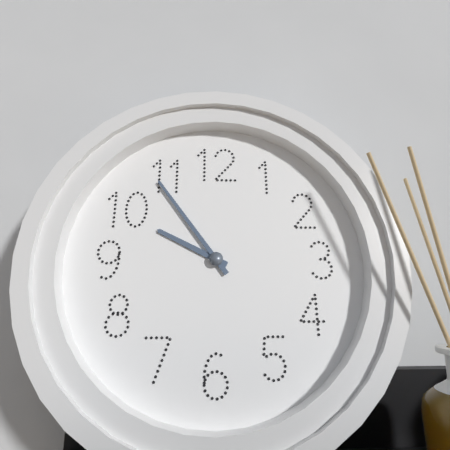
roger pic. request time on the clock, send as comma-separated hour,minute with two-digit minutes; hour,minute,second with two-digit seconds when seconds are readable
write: 9,54
